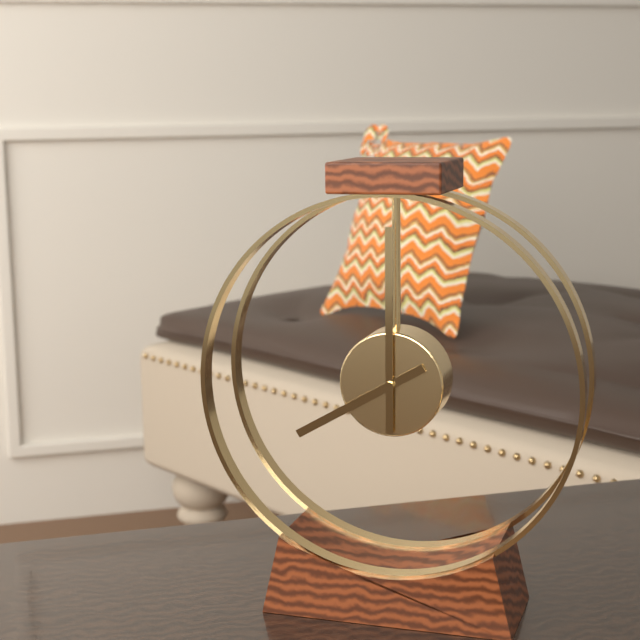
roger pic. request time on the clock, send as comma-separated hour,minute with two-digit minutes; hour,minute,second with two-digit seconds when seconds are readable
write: 8,00
